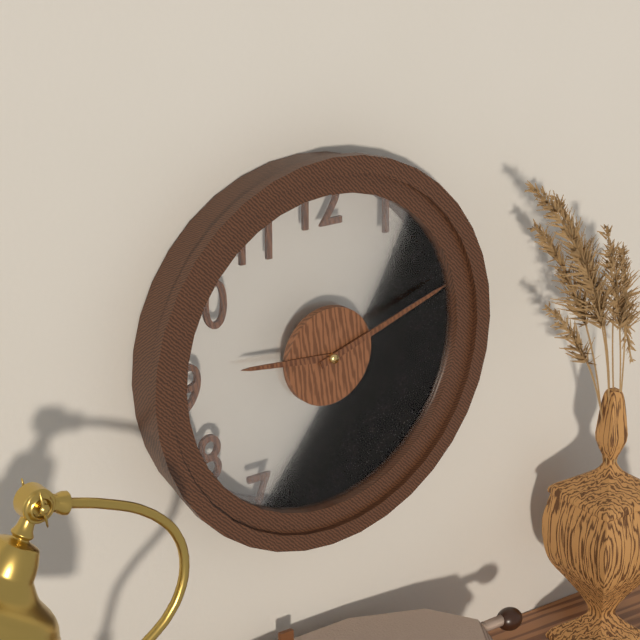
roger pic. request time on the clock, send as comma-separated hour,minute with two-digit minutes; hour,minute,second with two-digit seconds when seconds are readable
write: 9,12
